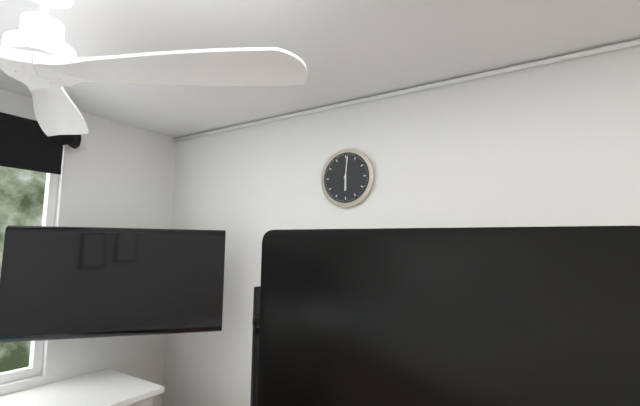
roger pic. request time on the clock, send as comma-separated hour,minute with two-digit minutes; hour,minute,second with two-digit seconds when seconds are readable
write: 6,01
